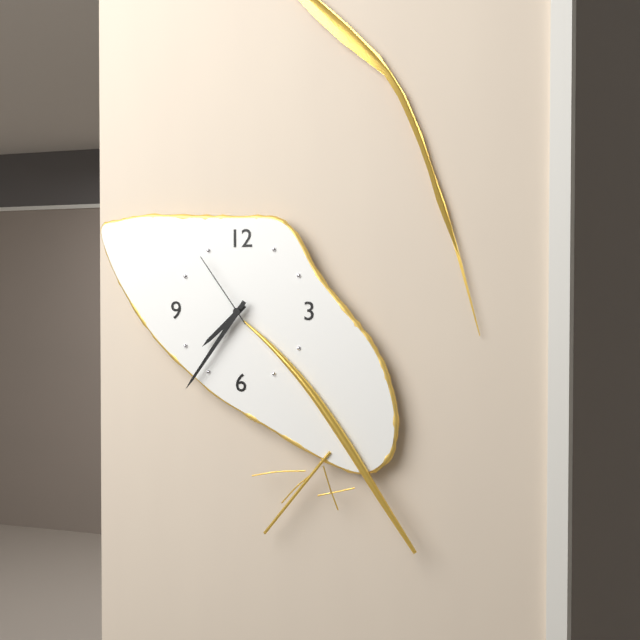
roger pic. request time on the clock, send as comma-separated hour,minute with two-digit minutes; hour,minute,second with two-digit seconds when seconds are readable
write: 7,36,54
